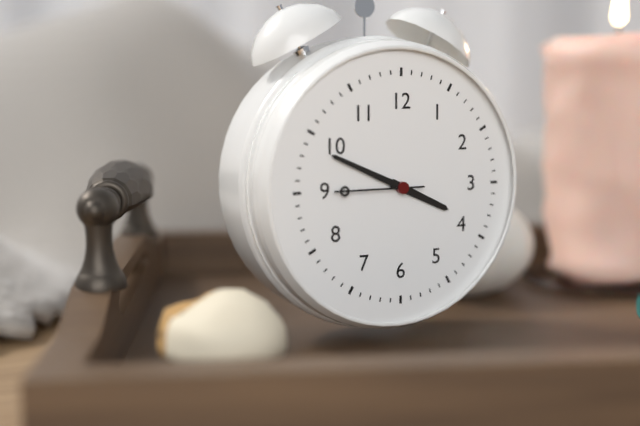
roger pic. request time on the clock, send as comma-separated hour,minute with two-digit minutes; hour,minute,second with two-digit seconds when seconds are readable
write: 3,49,45
